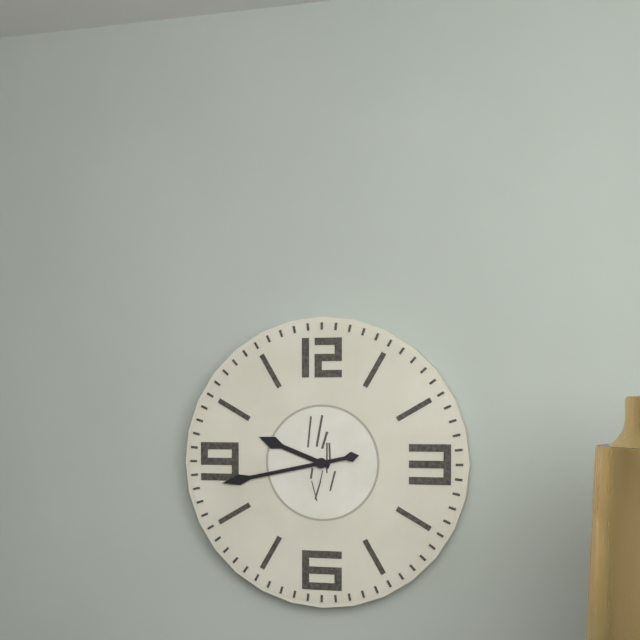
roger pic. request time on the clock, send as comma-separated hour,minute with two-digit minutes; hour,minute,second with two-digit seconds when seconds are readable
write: 9,43
